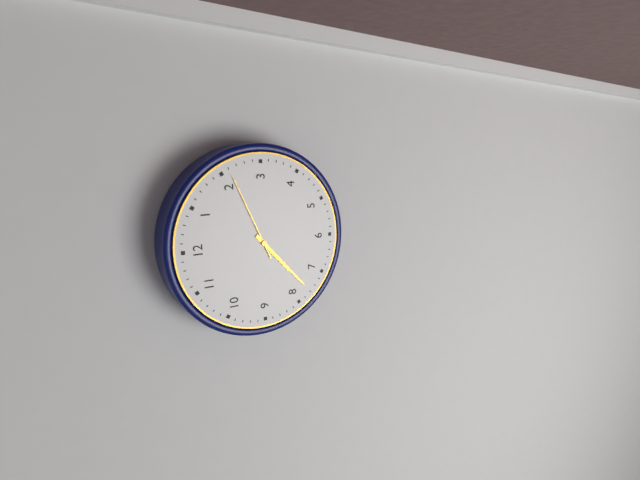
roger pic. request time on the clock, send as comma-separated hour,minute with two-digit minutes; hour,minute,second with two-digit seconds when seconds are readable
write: 7,38,11
